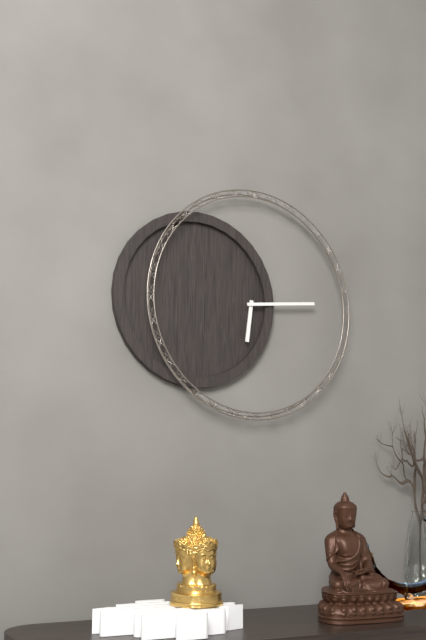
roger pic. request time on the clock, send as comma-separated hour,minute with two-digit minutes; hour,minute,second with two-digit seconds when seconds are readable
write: 6,14
